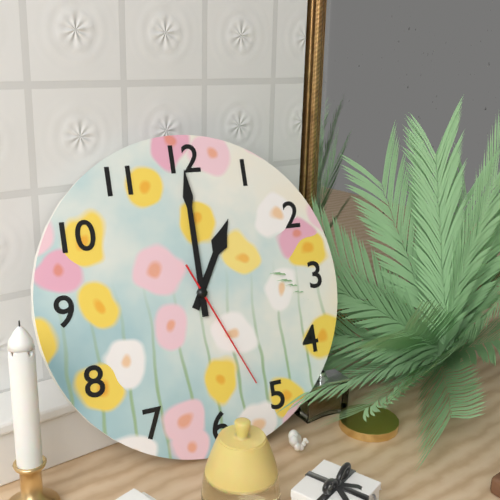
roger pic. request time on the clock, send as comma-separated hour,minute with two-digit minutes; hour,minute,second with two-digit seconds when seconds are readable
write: 1,00,26
